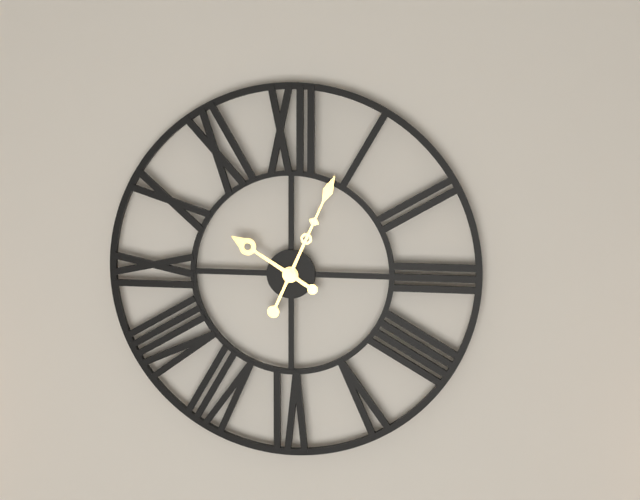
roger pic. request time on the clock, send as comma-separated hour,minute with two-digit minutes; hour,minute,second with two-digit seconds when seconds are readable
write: 10,04
